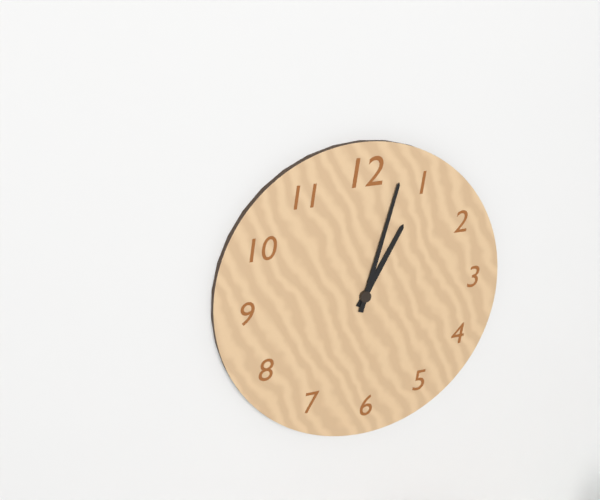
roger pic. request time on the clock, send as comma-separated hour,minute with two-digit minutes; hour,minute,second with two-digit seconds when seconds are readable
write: 1,03
